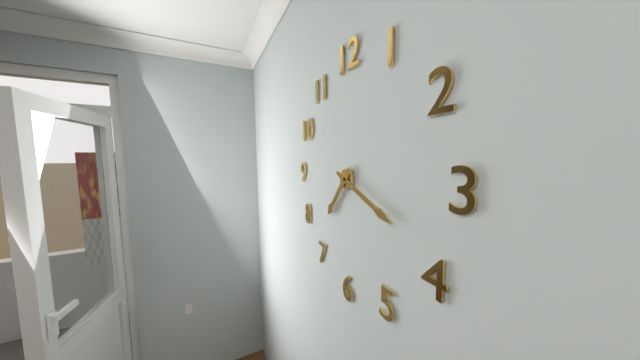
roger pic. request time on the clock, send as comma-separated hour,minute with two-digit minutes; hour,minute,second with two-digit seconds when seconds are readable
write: 7,19
